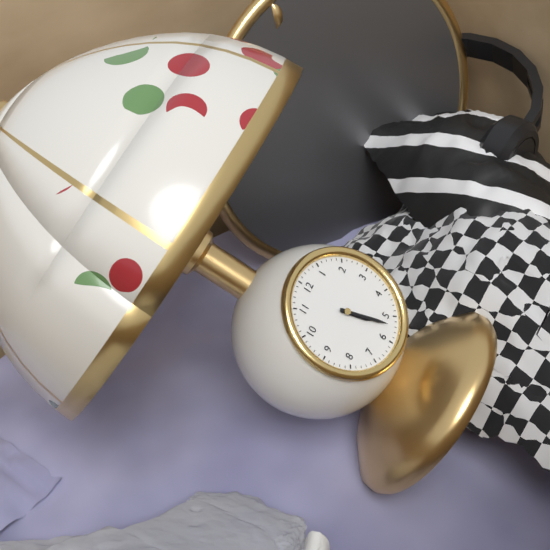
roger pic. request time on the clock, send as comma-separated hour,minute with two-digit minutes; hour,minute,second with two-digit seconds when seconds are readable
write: 5,27
